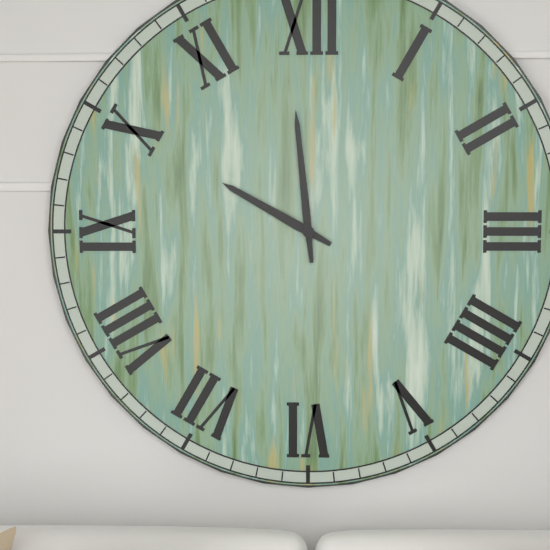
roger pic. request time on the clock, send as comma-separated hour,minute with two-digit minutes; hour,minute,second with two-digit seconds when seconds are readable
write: 9,59
